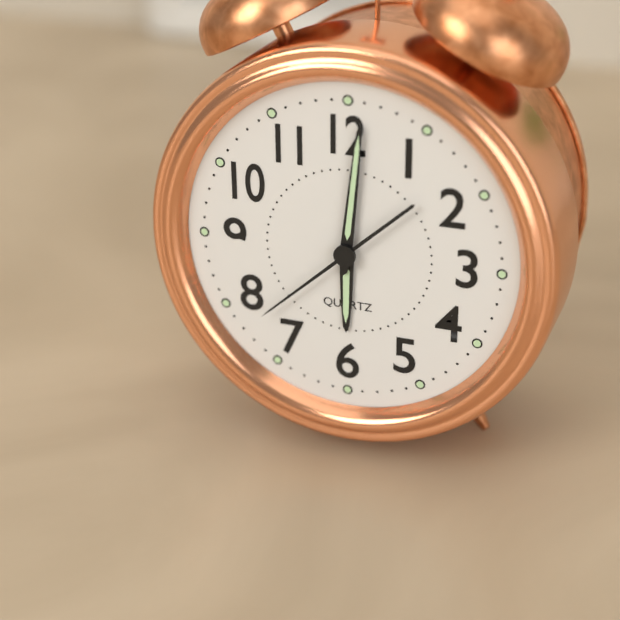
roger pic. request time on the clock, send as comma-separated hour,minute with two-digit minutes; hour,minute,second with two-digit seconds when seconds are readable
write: 6,01,38
